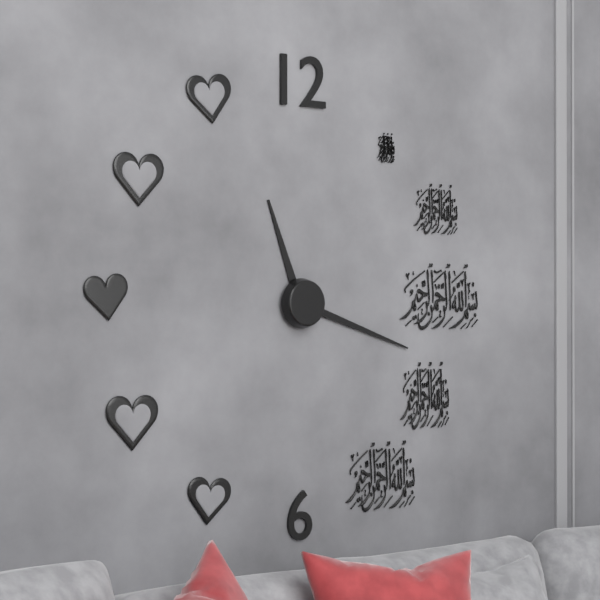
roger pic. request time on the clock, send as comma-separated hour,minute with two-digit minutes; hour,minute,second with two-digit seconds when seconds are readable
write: 11,18
